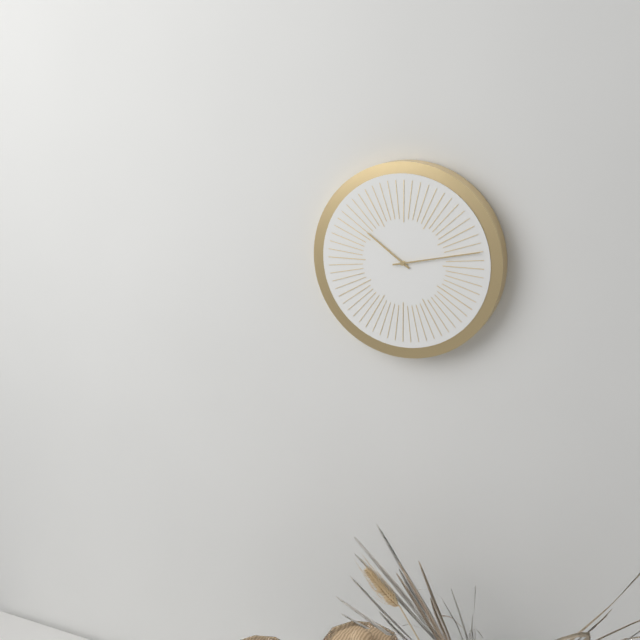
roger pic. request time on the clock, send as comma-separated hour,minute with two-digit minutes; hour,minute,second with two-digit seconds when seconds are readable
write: 10,13
